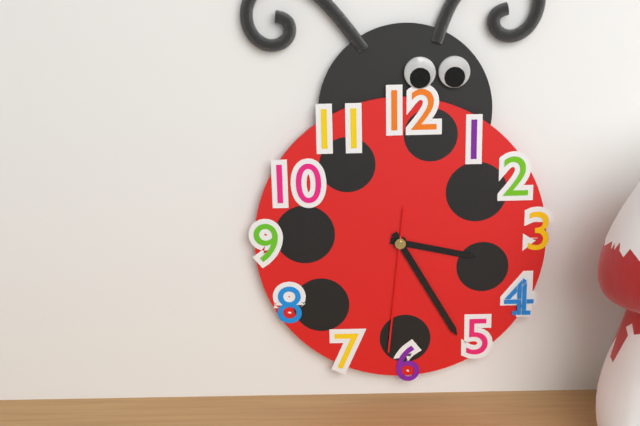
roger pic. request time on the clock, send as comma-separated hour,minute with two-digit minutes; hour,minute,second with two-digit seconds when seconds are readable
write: 3,25,31
